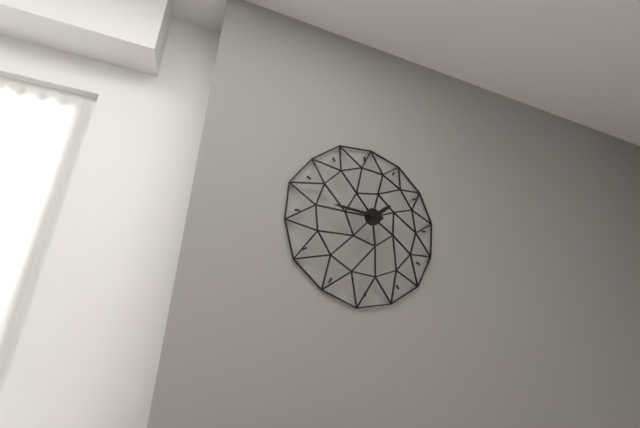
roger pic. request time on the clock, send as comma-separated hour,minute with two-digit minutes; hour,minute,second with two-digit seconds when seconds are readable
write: 1,46
